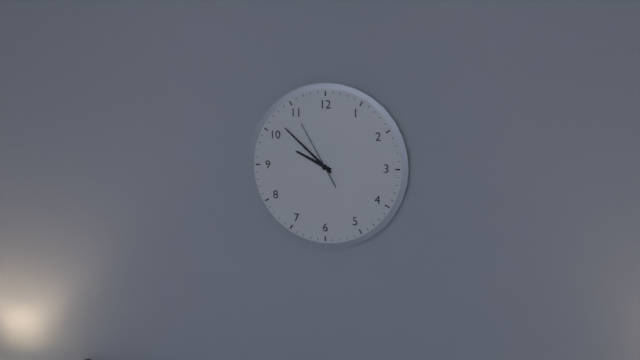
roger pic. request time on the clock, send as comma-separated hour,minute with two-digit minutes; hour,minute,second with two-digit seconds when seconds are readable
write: 9,52,55
